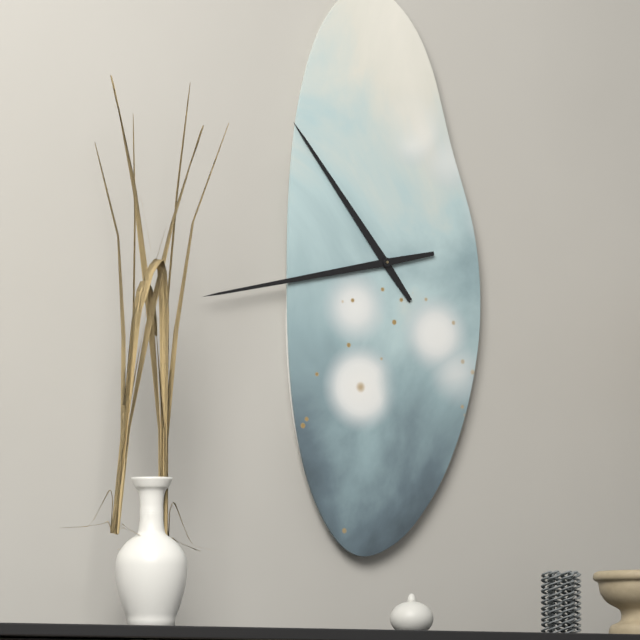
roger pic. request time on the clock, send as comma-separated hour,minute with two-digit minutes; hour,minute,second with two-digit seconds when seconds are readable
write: 10,43
